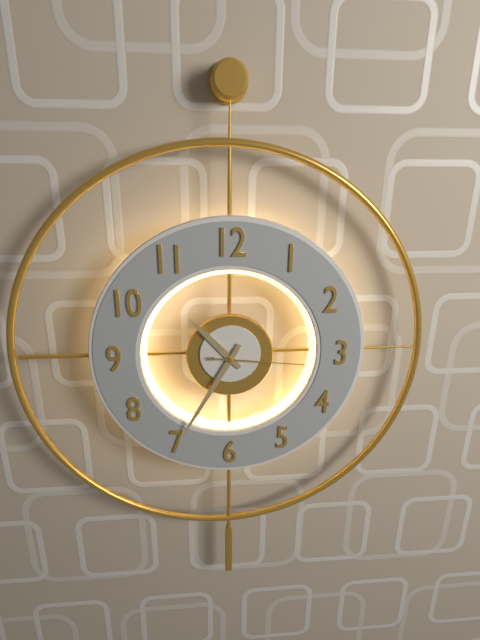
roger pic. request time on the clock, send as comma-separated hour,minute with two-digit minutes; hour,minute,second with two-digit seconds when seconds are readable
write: 10,35,16
